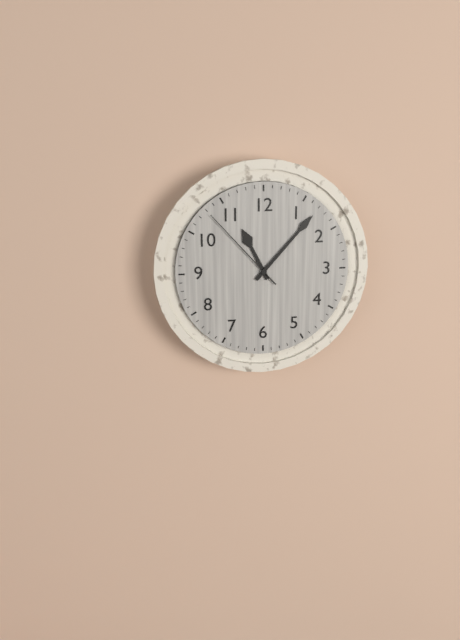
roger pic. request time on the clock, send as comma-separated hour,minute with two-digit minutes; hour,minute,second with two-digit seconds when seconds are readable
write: 11,07,53
